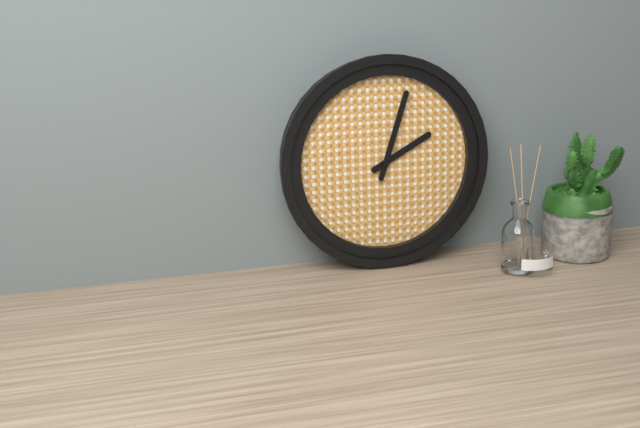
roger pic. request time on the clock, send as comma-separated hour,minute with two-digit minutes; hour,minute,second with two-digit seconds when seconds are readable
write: 2,03
